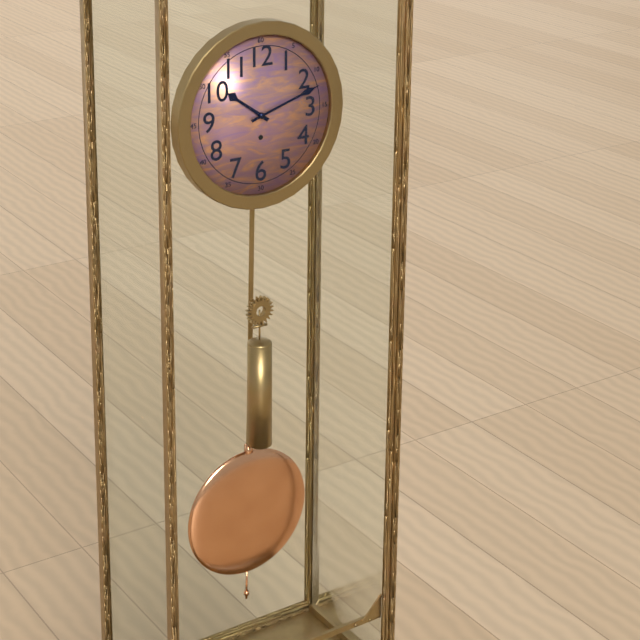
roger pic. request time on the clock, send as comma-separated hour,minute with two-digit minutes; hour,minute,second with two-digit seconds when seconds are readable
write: 10,12
